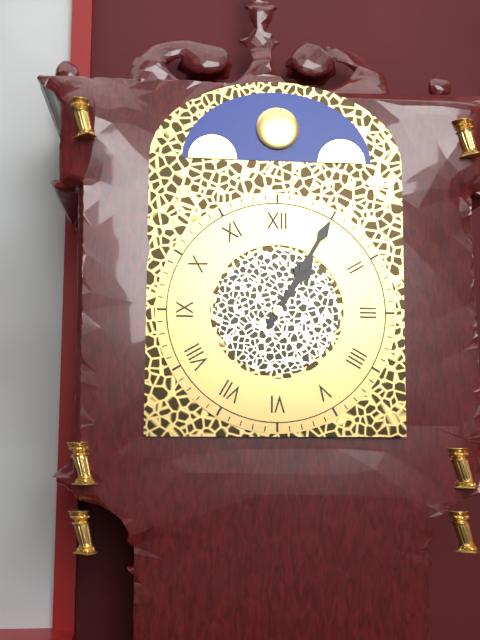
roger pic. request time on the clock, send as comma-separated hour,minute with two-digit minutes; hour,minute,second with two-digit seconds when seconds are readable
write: 1,05
